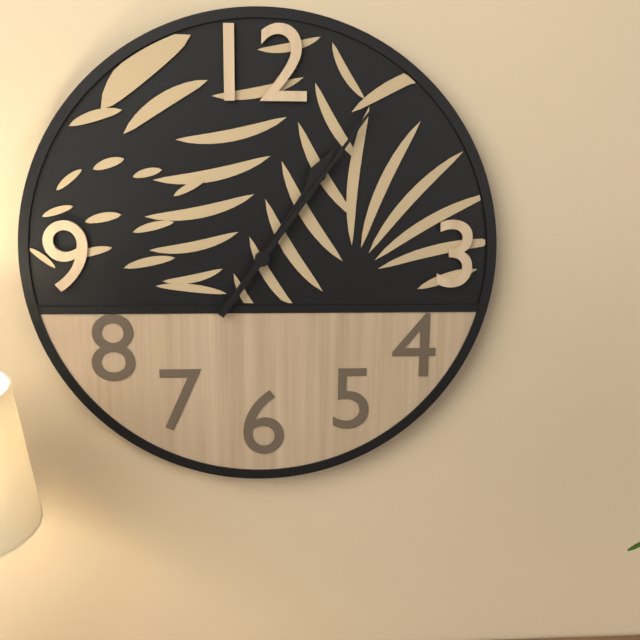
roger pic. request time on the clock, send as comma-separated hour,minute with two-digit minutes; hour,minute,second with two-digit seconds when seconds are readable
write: 1,06
